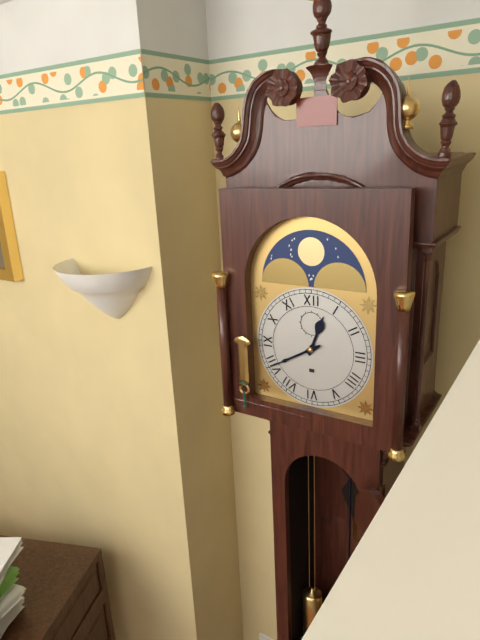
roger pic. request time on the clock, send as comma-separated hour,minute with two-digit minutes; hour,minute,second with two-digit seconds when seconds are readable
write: 12,40
